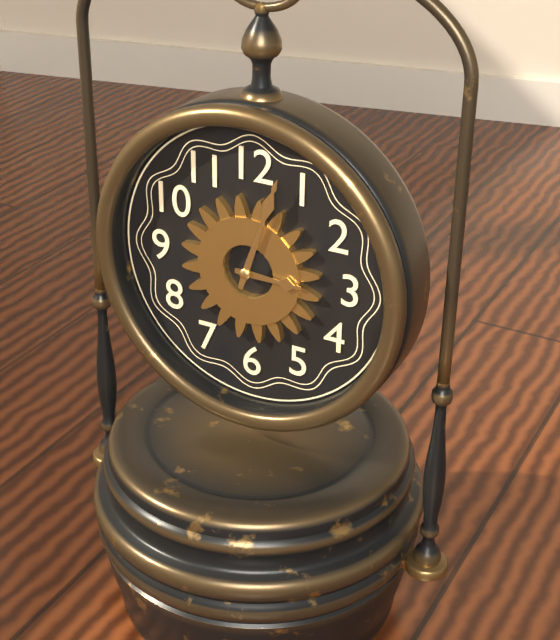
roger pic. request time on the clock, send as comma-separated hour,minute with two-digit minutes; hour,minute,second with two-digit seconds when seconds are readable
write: 3,03
